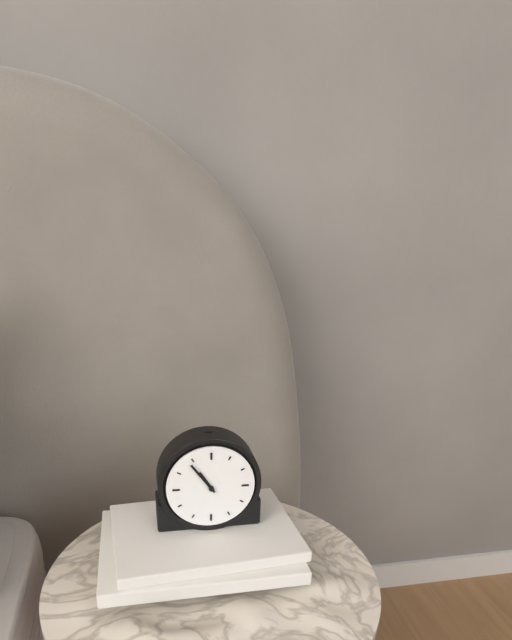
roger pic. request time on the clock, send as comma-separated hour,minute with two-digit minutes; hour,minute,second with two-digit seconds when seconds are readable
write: 10,54
